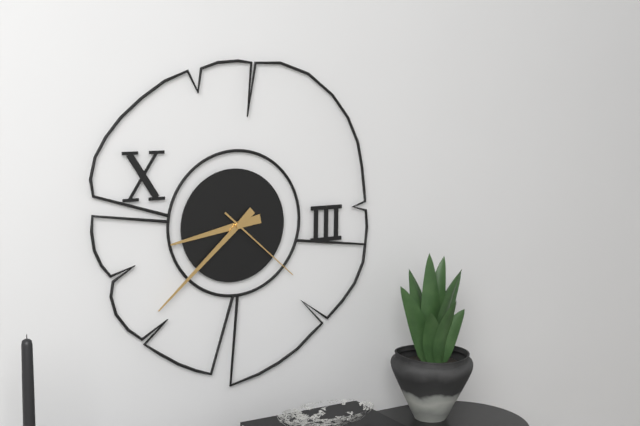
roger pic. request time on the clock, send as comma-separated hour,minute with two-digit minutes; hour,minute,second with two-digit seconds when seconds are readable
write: 8,38,22
